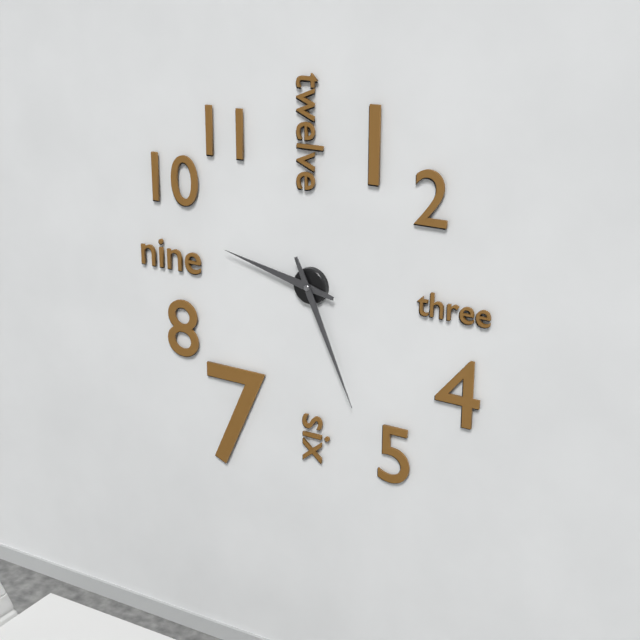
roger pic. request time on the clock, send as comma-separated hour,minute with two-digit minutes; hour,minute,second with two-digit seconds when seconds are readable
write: 9,26
